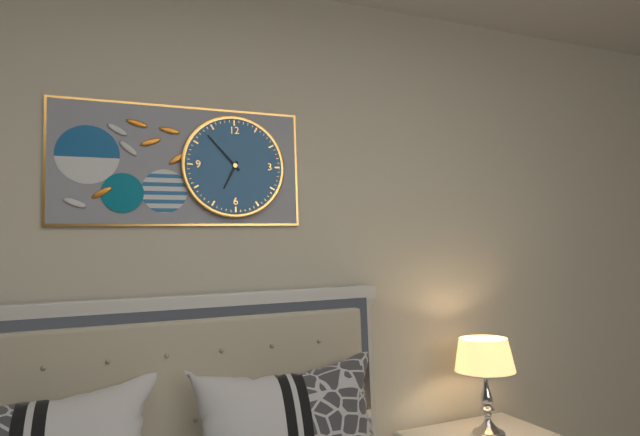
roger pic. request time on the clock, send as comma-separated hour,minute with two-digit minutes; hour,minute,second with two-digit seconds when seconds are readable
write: 6,53
